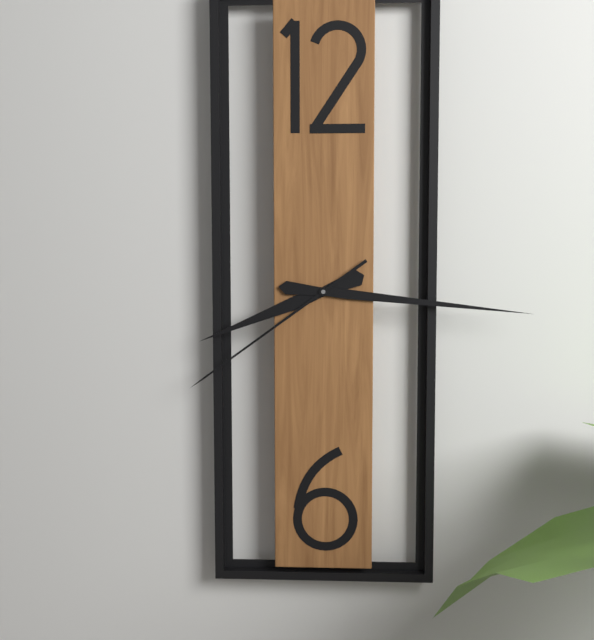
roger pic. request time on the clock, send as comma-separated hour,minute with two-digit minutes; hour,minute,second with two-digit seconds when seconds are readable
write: 8,16,39
